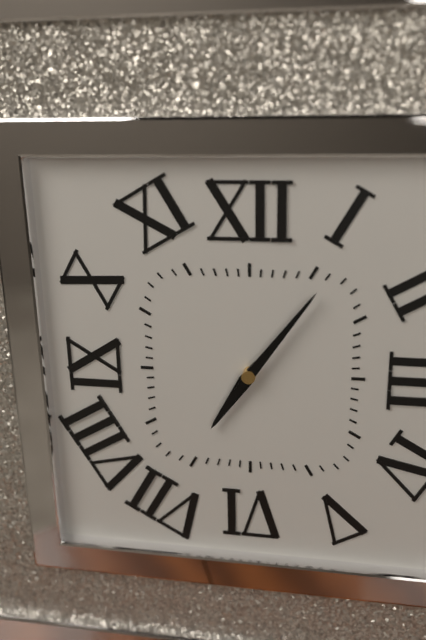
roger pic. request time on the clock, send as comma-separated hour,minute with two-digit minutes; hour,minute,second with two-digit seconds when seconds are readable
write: 7,06
